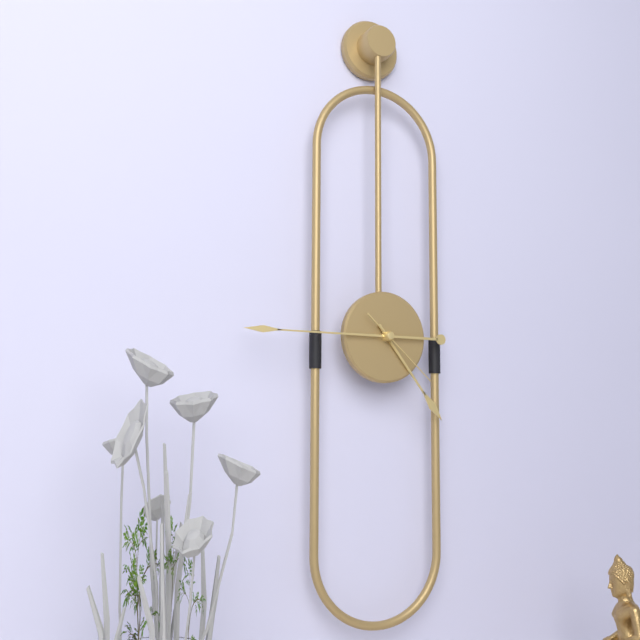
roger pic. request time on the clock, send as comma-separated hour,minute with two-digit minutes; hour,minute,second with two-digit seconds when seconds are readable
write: 4,45,22
